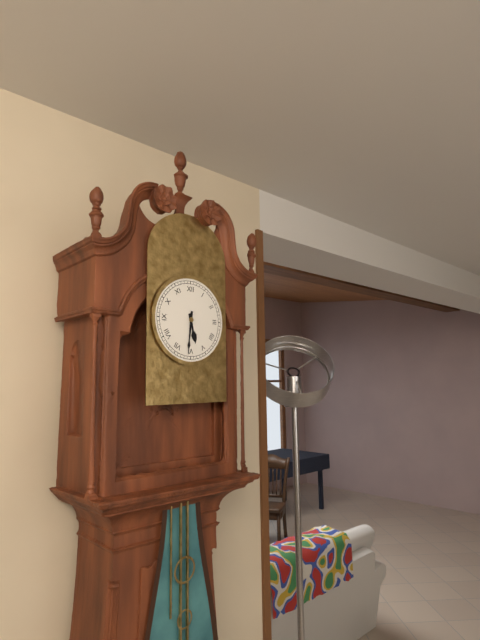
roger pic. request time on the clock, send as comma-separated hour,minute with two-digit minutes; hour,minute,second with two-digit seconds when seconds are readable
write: 5,31
